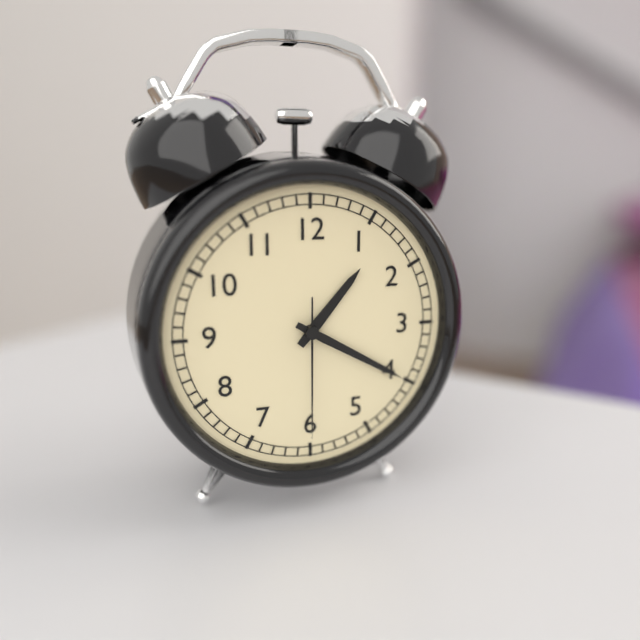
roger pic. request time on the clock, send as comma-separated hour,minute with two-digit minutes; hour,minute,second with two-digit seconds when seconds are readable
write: 1,20,30
